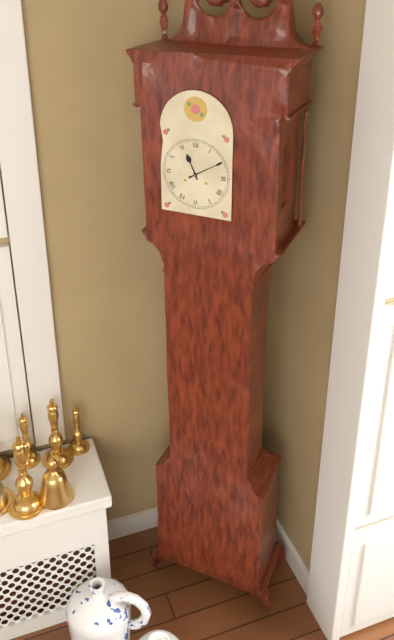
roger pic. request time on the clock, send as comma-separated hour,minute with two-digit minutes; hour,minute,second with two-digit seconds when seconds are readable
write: 11,10
